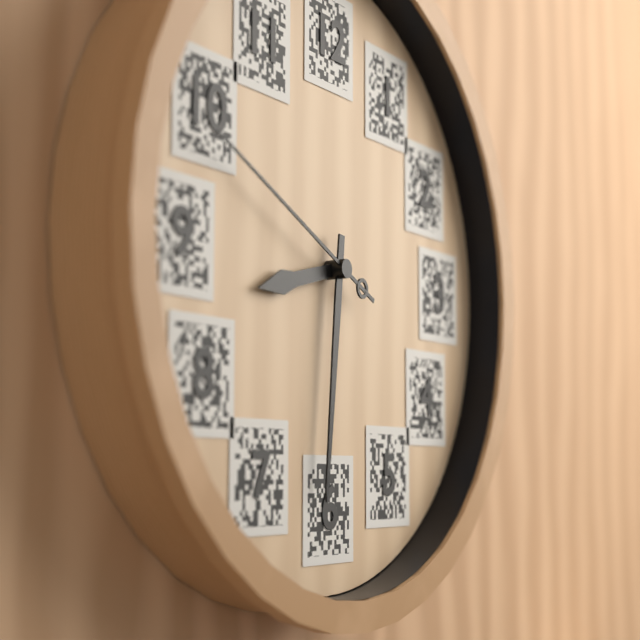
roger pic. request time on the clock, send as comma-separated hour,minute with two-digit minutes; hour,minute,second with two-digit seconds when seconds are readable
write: 8,31,49
